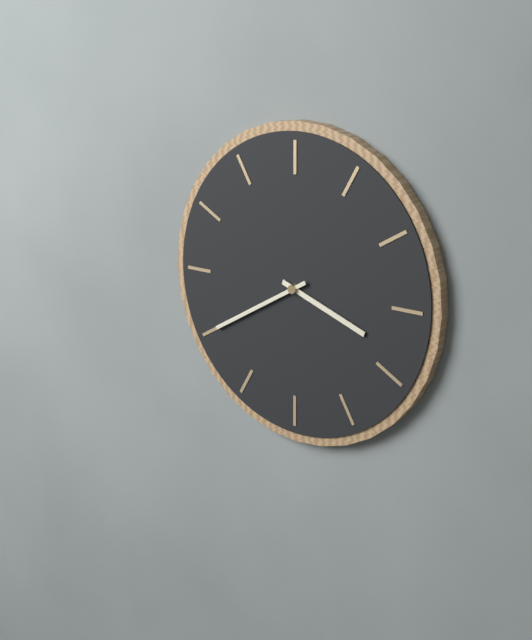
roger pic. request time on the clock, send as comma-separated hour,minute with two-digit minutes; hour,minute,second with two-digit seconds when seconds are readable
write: 3,40
